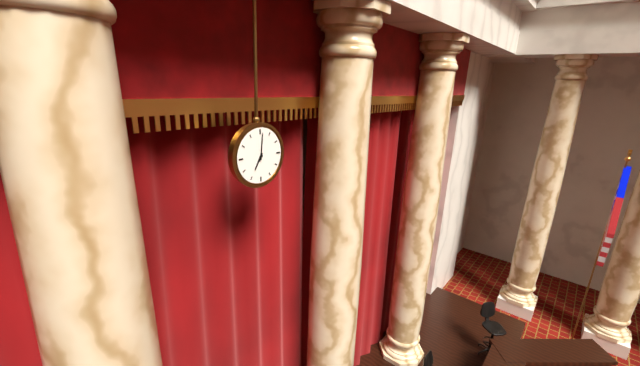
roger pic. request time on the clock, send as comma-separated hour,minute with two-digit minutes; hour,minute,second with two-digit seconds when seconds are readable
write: 7,01
